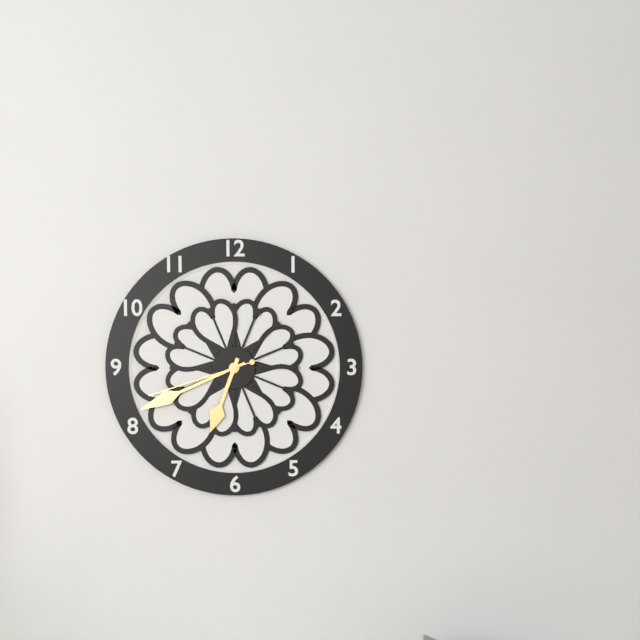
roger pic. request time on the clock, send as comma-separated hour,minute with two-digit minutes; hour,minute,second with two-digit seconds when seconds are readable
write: 6,41,42
